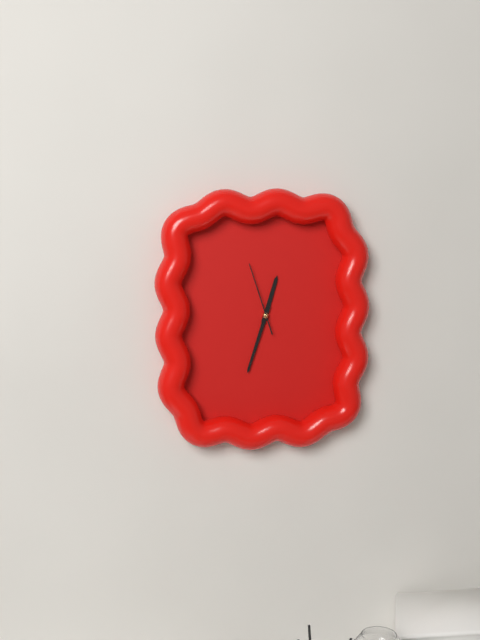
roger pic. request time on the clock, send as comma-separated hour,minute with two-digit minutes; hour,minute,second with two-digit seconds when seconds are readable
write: 12,33,57
